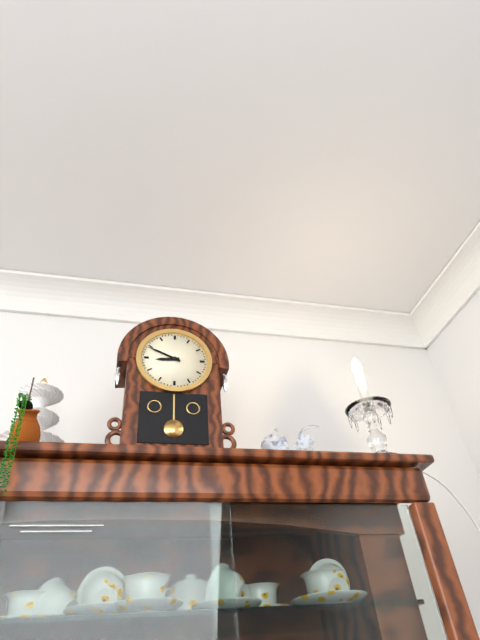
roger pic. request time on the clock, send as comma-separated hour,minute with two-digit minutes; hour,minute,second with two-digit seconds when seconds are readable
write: 8,49
